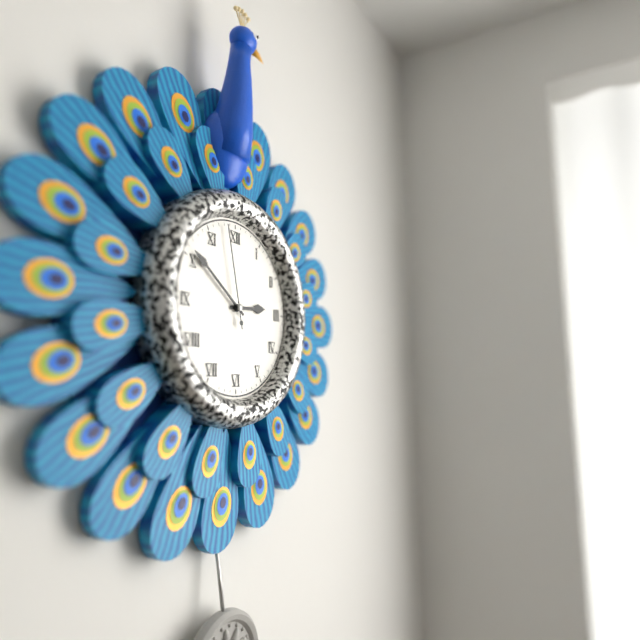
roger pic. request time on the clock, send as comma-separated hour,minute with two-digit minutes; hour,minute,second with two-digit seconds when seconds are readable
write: 2,51,58
